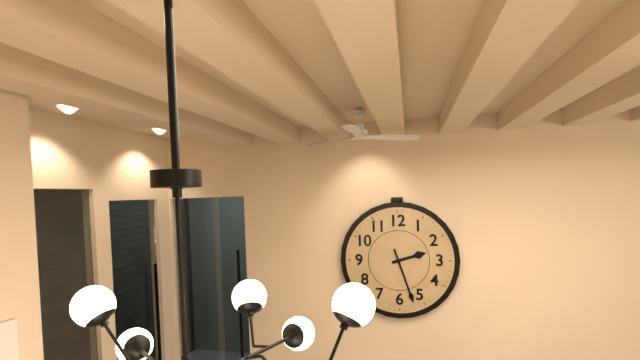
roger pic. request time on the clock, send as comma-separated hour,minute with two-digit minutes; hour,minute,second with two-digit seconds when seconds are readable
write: 2,27
